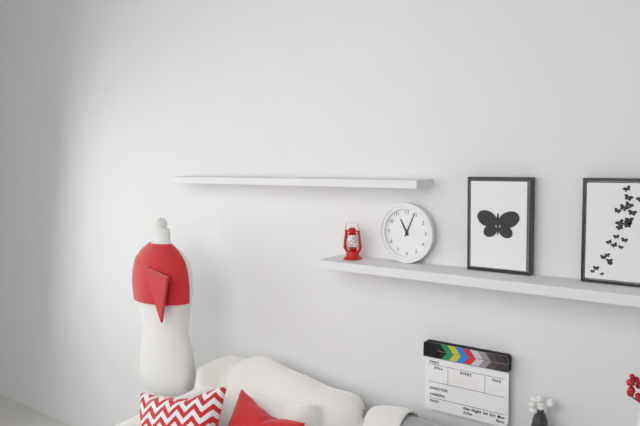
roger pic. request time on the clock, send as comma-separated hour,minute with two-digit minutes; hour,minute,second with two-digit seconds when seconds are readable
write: 11,04
